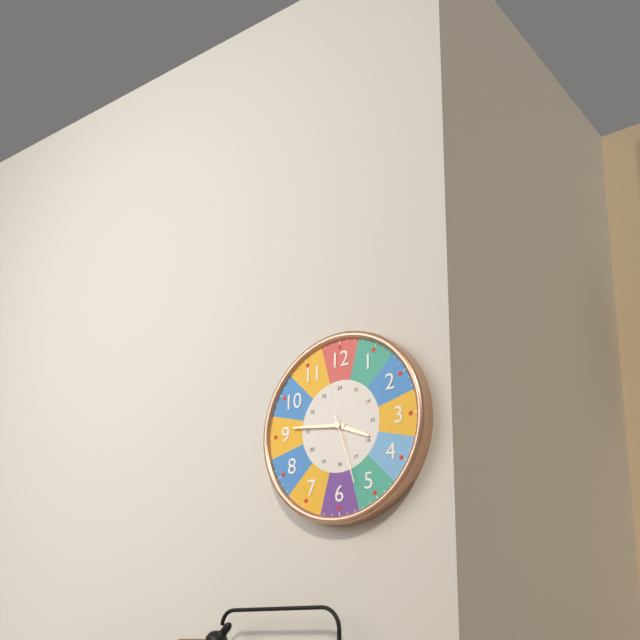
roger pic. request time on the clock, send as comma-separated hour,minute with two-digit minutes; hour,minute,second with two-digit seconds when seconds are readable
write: 3,46,27
